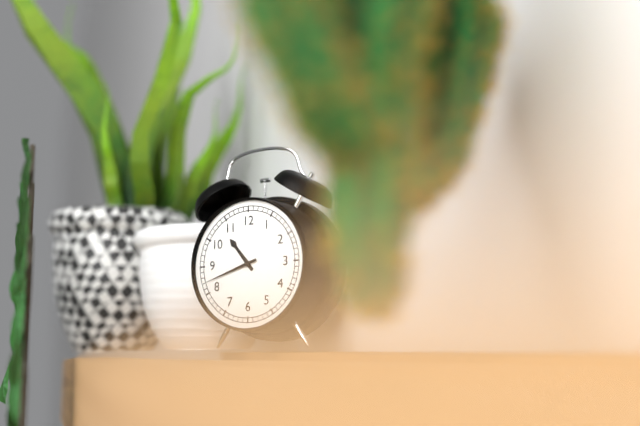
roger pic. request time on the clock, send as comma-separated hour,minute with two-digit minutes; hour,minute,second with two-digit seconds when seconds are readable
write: 10,42
